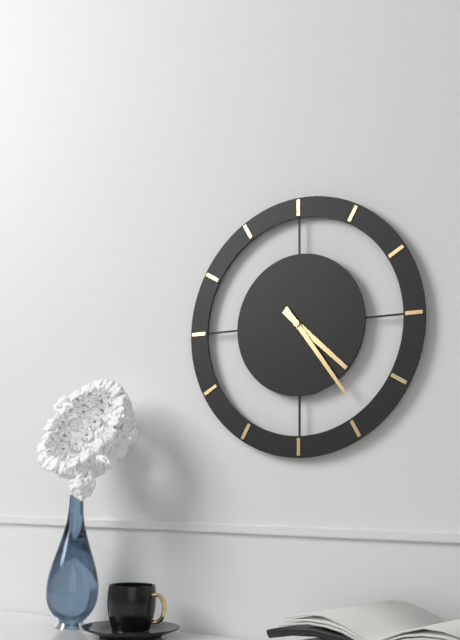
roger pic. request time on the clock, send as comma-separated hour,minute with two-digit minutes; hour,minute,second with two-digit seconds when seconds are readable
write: 4,24
